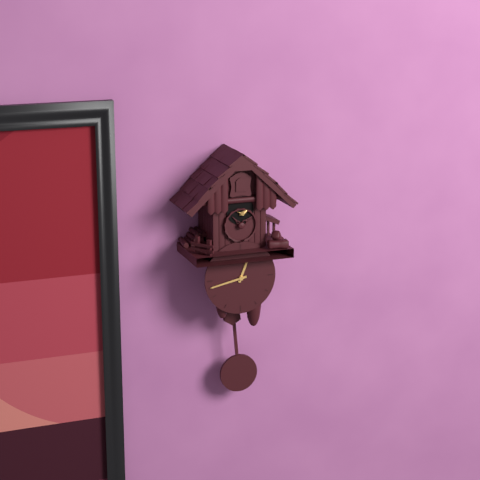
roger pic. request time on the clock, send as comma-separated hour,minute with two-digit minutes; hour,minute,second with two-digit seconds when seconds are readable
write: 12,43
